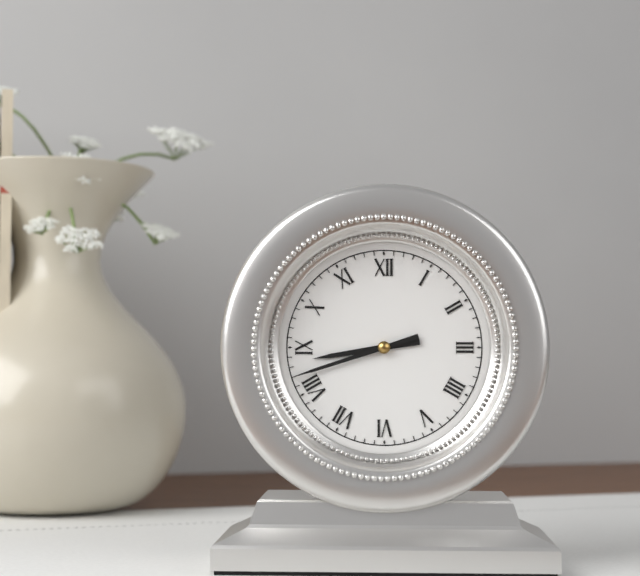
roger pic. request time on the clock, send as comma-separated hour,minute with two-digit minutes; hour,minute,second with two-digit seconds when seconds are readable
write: 8,42
